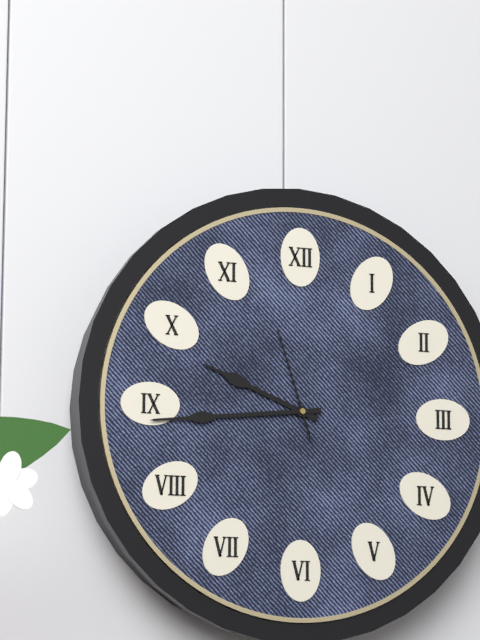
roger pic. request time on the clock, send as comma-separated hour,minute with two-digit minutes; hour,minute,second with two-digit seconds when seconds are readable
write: 9,44,57
